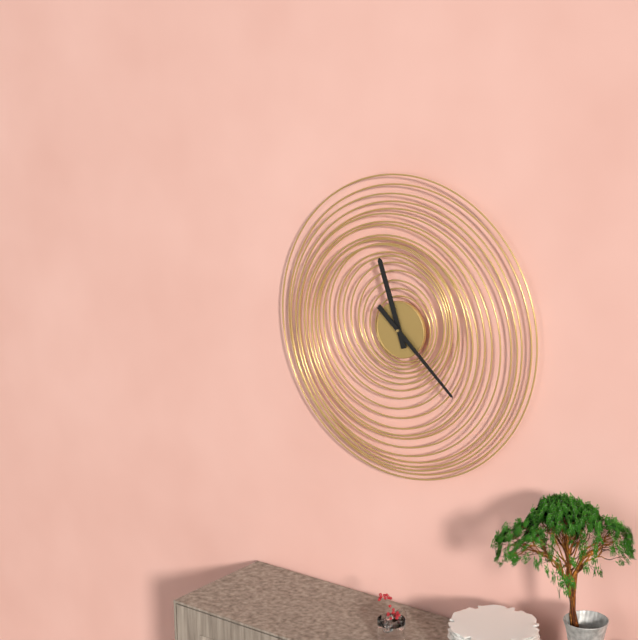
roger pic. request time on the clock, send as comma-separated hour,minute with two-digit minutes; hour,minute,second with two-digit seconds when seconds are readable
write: 11,22
